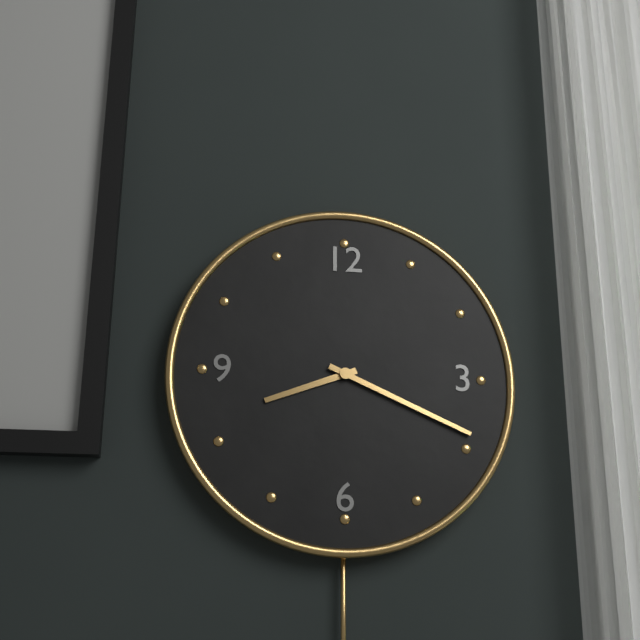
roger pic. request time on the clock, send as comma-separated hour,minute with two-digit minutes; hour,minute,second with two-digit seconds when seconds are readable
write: 8,19
